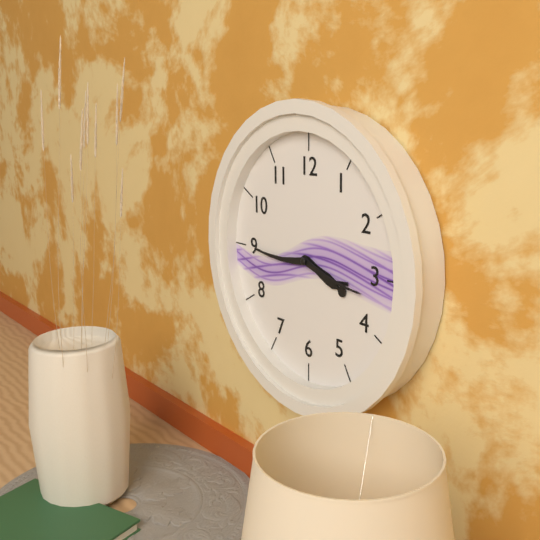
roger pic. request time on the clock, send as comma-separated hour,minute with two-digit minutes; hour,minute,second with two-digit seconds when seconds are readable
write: 3,45,17
